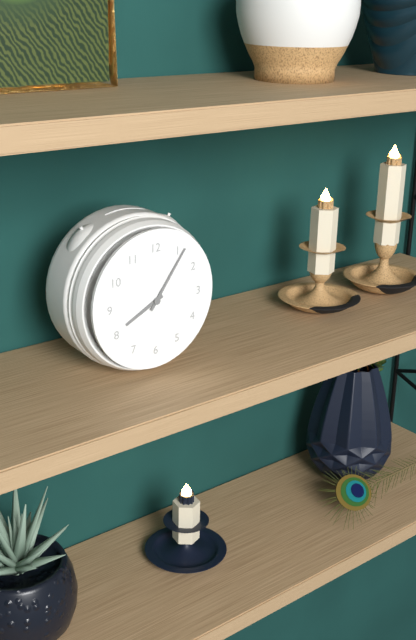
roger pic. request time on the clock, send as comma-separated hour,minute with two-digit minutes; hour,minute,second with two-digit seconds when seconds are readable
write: 8,06
